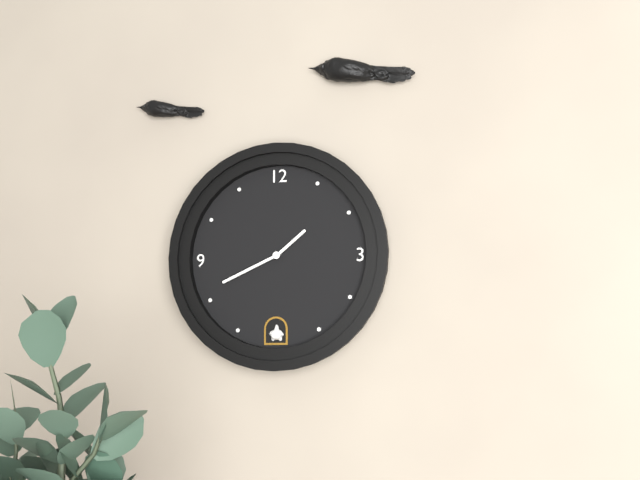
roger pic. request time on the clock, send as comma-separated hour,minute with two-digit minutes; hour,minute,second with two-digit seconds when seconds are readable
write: 1,41
